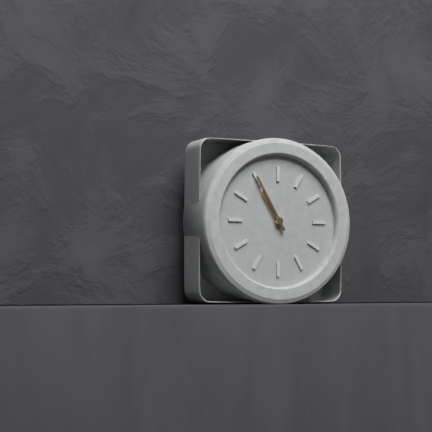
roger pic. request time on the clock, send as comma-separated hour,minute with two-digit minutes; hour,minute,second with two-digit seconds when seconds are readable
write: 10,55
